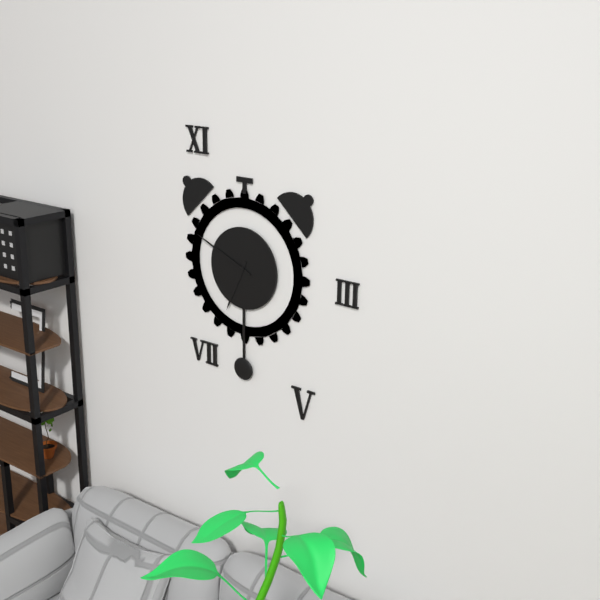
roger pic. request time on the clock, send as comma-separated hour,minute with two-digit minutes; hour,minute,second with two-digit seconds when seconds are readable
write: 6,49
